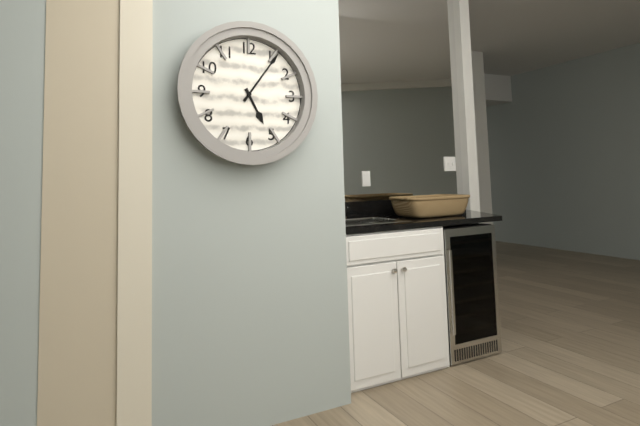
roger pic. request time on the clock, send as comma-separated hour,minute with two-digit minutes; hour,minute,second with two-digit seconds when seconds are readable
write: 5,06
